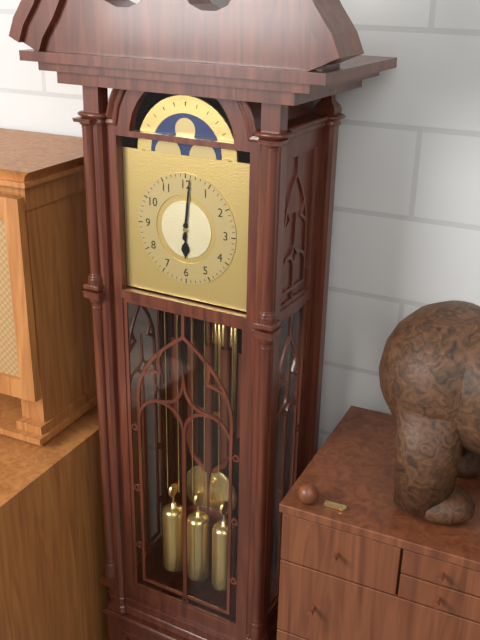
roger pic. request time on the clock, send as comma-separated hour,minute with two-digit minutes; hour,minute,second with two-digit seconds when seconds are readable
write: 6,01
